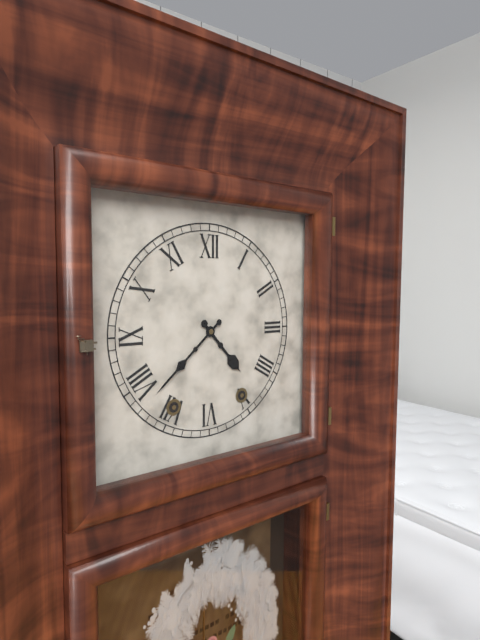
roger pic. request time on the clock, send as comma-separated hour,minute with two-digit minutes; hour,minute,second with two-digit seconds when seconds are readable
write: 4,38
